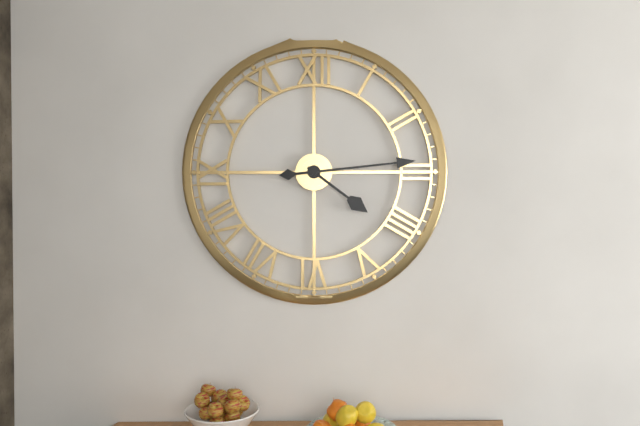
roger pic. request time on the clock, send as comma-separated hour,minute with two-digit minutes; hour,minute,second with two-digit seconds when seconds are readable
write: 4,14
